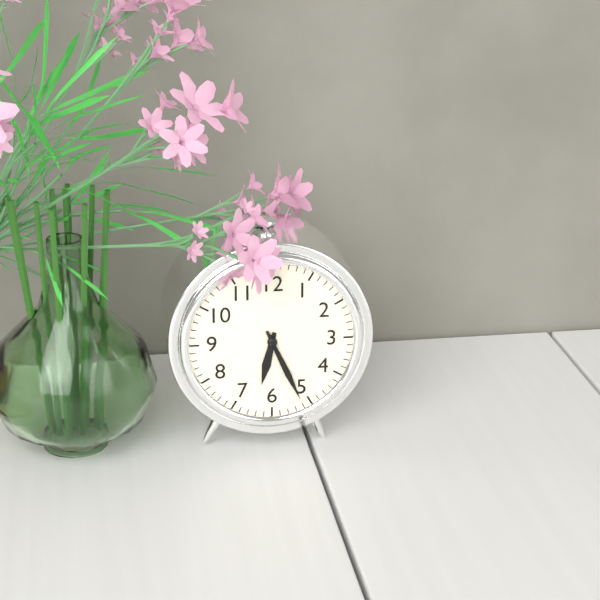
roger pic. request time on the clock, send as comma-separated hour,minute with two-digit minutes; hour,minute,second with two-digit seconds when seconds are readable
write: 6,26
